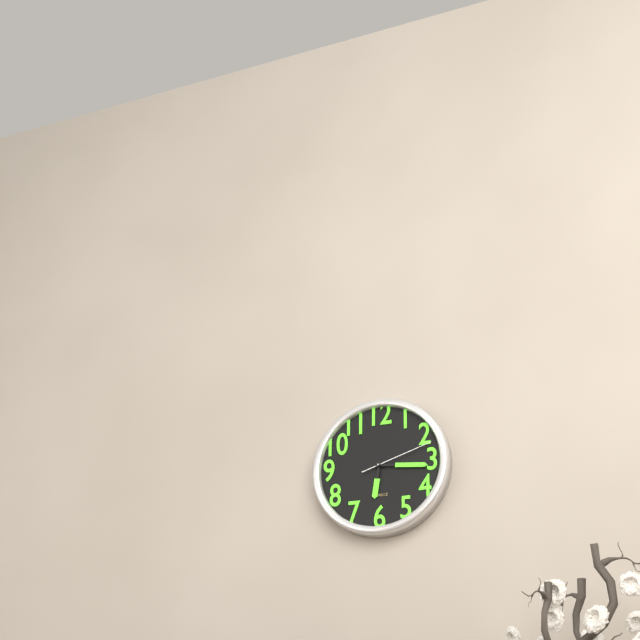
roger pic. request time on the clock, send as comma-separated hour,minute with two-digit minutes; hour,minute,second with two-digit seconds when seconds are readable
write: 6,16,12
